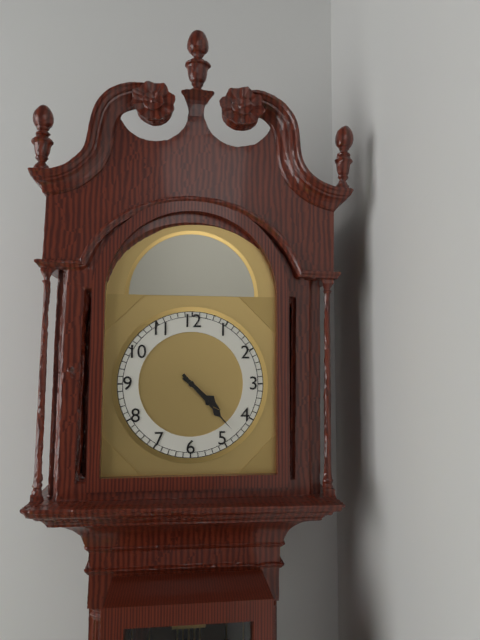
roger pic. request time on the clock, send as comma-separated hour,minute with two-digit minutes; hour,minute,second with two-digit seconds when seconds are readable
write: 4,23
